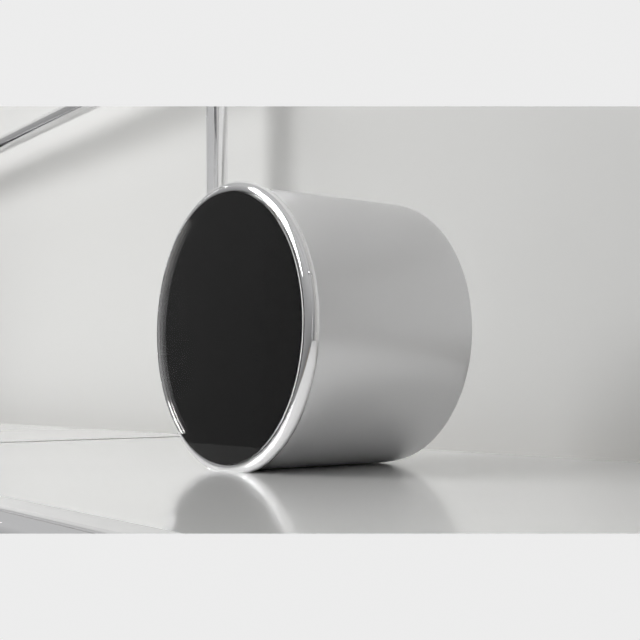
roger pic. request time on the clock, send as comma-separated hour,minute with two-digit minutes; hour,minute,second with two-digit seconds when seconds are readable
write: 3,00,30
